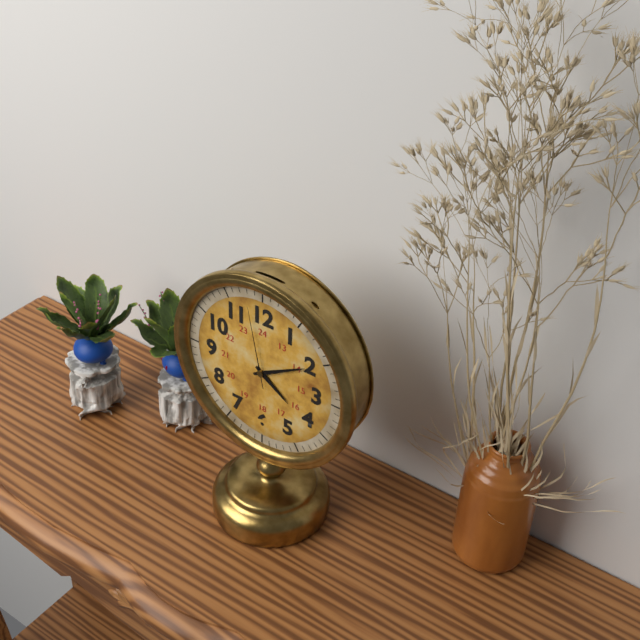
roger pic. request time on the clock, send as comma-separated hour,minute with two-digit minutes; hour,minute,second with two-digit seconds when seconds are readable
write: 4,10,58
